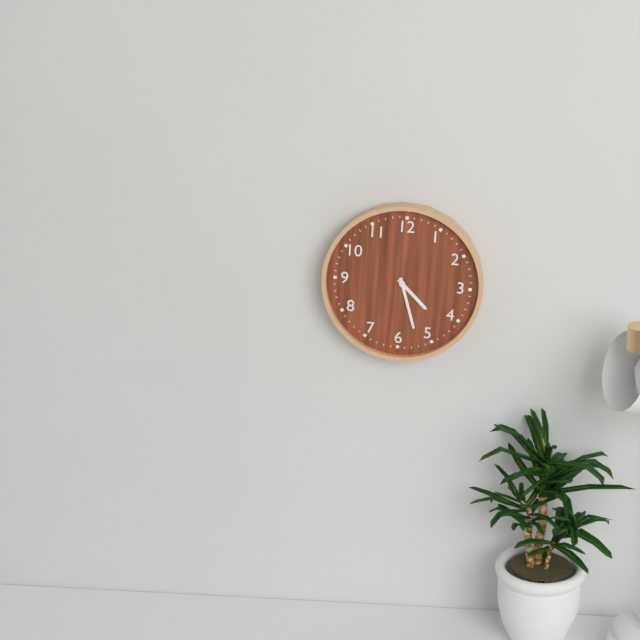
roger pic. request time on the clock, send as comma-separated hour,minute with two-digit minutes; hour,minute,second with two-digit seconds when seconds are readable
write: 4,27
